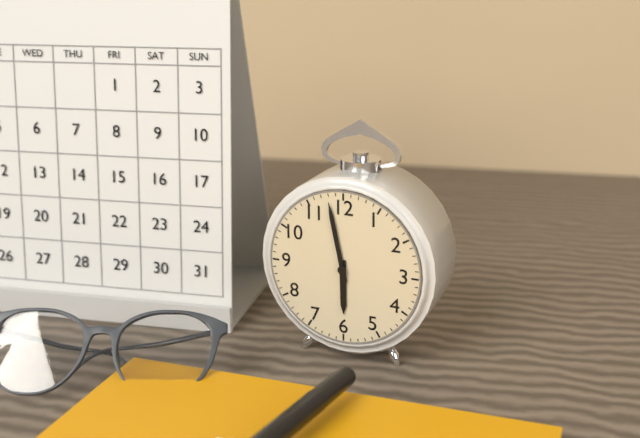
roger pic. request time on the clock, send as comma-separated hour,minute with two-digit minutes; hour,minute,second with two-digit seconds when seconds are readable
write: 5,58
